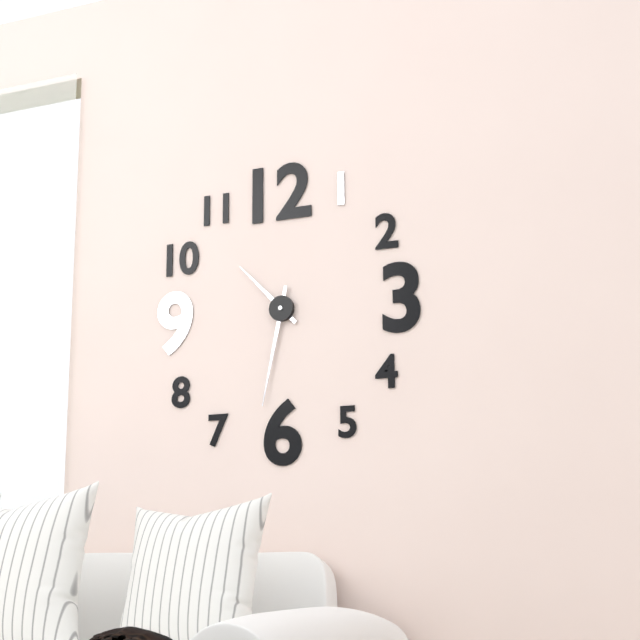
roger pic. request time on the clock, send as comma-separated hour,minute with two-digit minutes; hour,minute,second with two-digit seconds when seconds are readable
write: 10,32
